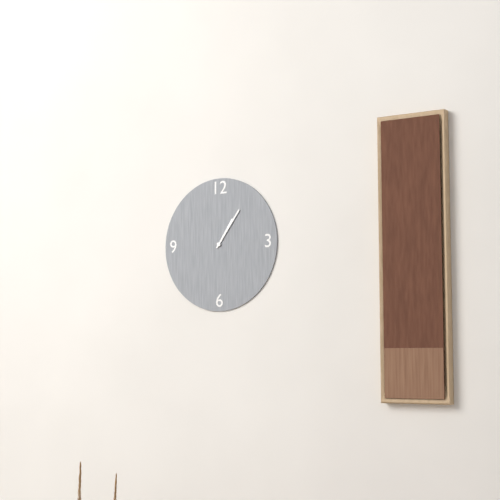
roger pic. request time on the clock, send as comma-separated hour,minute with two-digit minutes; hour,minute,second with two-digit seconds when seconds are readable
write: 1,06
